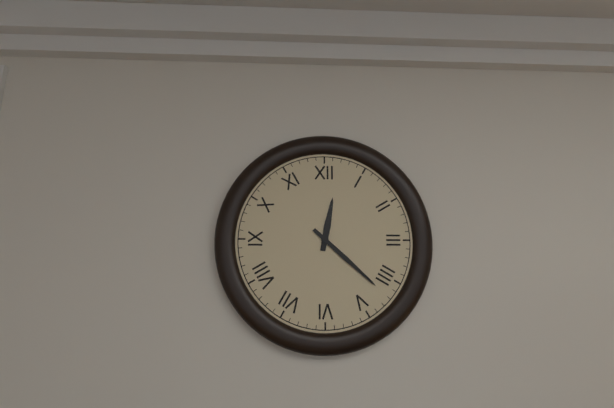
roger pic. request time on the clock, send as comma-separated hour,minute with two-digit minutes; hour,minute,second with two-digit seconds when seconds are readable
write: 12,22
